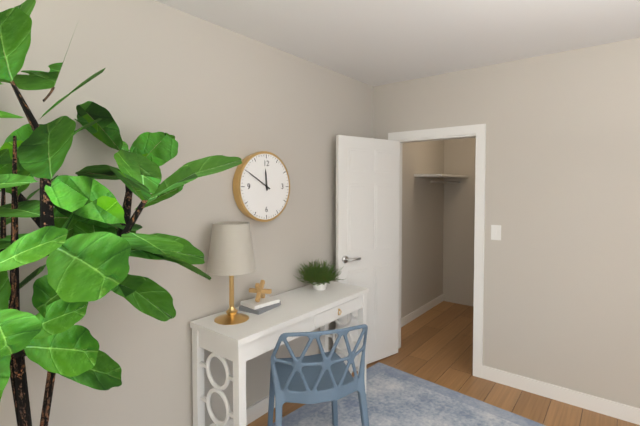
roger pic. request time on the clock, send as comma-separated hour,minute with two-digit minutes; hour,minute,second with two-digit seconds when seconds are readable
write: 11,50
